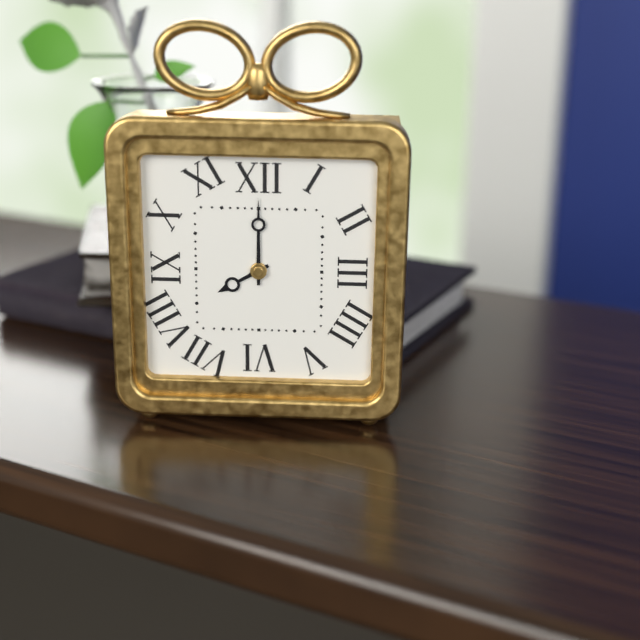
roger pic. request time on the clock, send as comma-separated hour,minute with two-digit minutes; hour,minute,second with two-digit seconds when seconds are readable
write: 8,00
